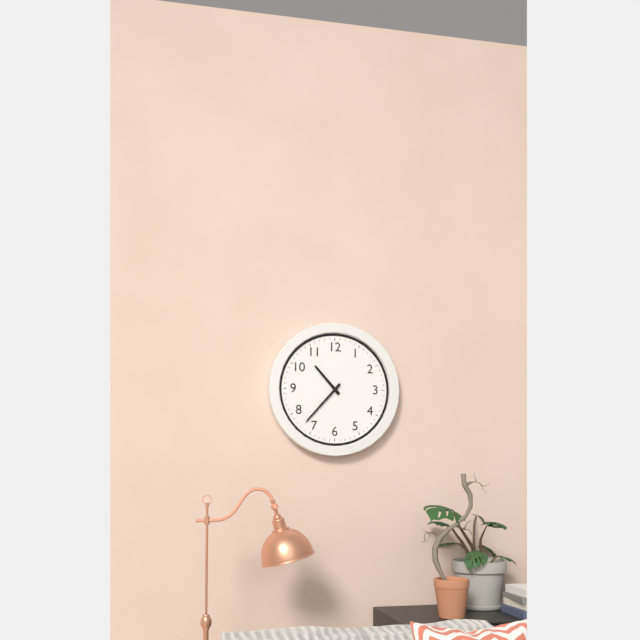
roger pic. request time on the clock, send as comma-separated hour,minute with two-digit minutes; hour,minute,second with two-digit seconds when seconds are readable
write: 10,37
